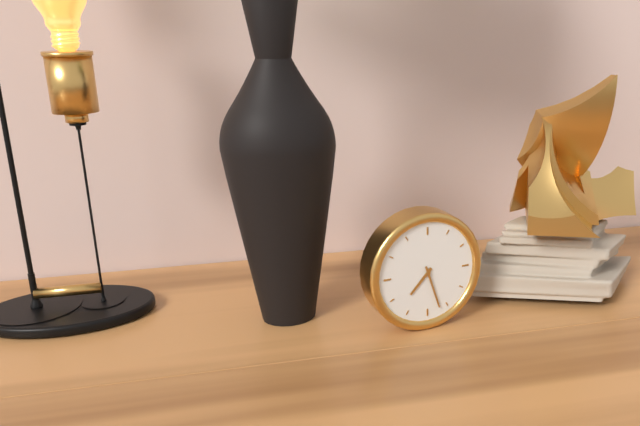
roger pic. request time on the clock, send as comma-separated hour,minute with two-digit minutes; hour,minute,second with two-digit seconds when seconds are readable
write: 7,27
